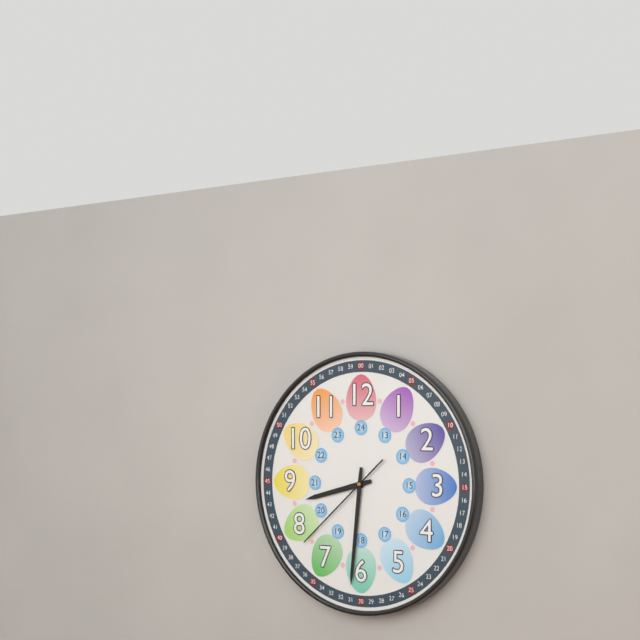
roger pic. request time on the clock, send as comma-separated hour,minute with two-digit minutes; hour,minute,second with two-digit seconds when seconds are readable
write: 8,31,38
